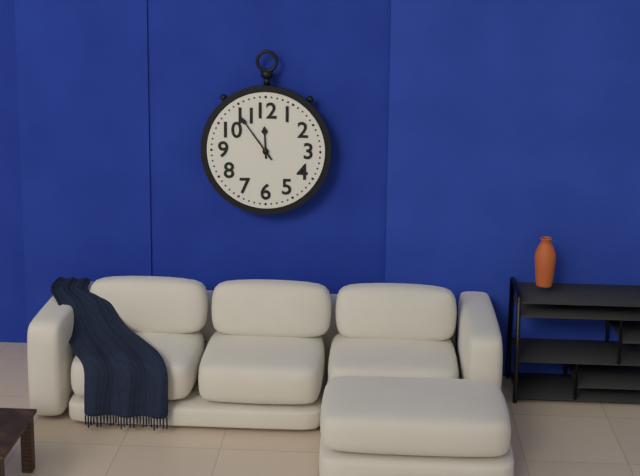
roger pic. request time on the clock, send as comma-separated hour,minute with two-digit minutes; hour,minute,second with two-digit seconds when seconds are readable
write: 11,54
